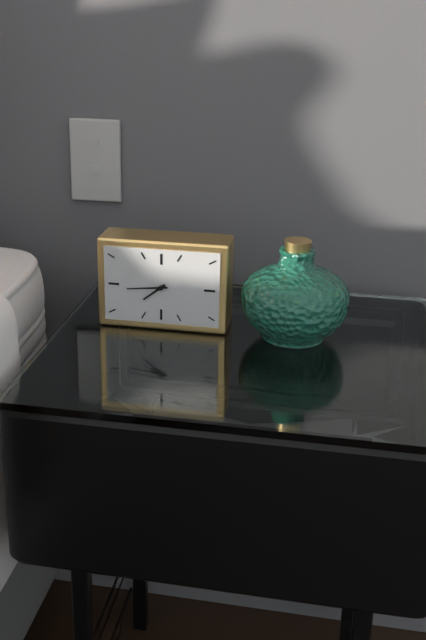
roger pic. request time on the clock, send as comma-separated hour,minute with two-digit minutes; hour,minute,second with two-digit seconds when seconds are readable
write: 7,44
